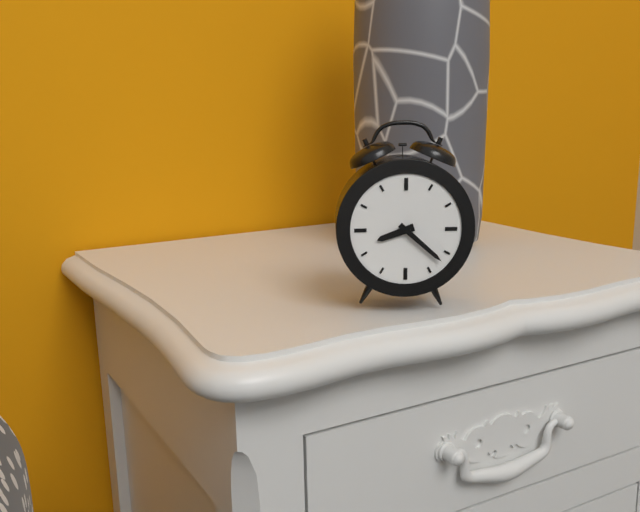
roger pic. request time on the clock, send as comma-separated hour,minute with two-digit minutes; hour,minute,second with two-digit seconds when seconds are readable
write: 8,22
